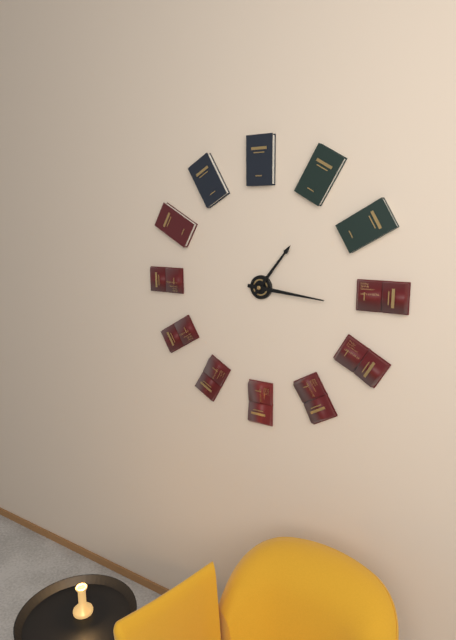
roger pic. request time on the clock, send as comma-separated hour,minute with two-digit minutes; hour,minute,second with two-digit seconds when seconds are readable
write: 1,16
